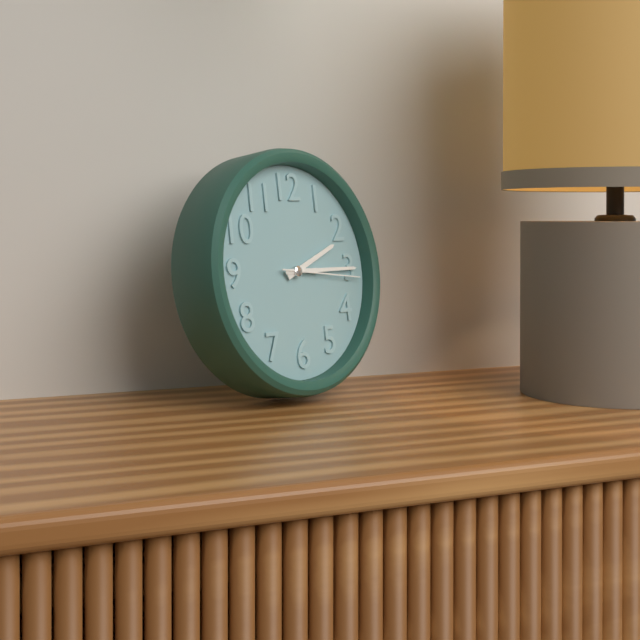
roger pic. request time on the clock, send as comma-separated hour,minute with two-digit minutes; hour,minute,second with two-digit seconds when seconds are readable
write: 2,15,16
